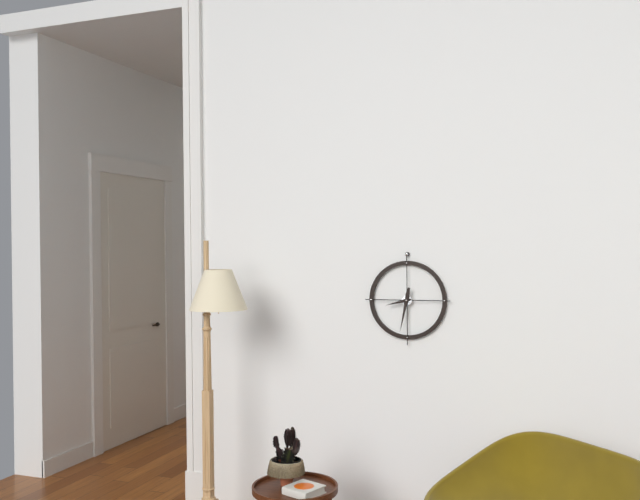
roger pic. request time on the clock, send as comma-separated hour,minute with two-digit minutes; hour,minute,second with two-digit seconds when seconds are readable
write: 8,32
